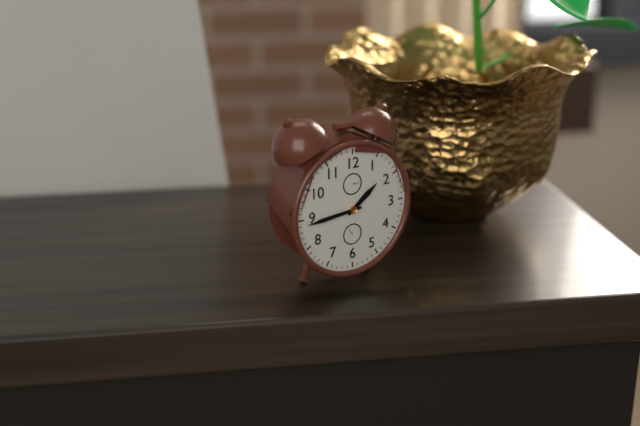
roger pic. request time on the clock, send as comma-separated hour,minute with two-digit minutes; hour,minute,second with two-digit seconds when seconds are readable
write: 1,44
